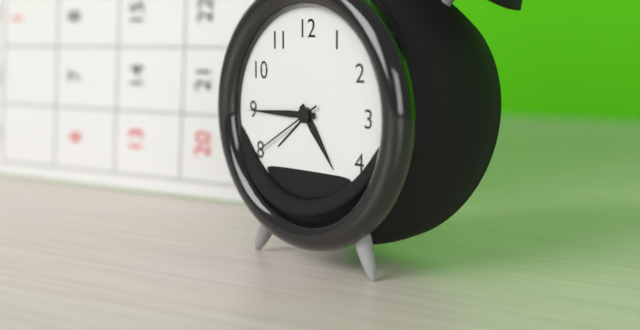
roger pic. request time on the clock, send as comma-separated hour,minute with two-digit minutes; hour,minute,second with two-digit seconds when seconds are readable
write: 4,45,40
